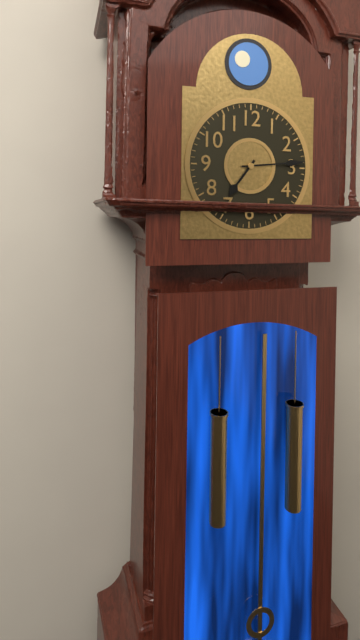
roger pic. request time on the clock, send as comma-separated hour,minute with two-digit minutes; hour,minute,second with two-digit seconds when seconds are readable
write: 7,14
